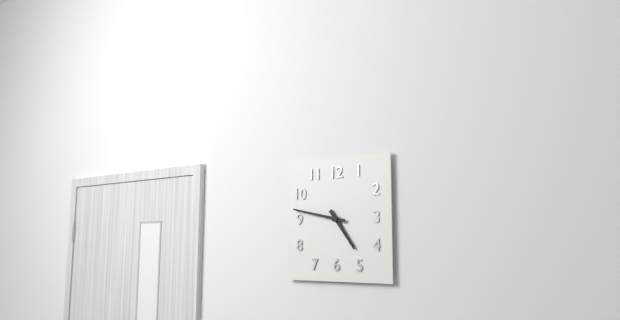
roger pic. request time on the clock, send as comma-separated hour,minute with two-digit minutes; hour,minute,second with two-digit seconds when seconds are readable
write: 4,47
